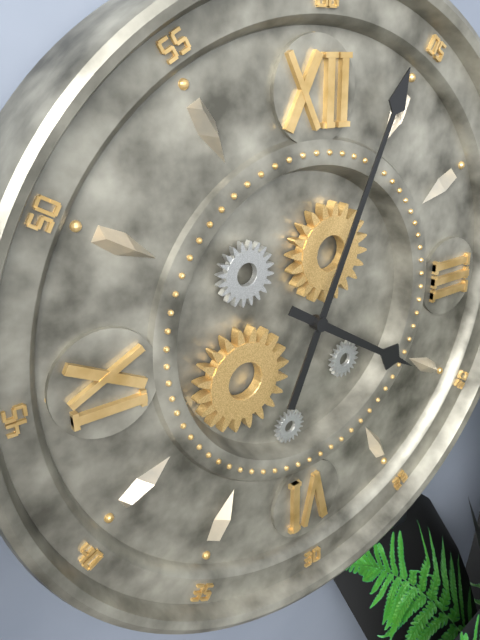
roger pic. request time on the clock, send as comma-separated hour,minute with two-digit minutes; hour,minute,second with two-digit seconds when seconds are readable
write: 4,04
